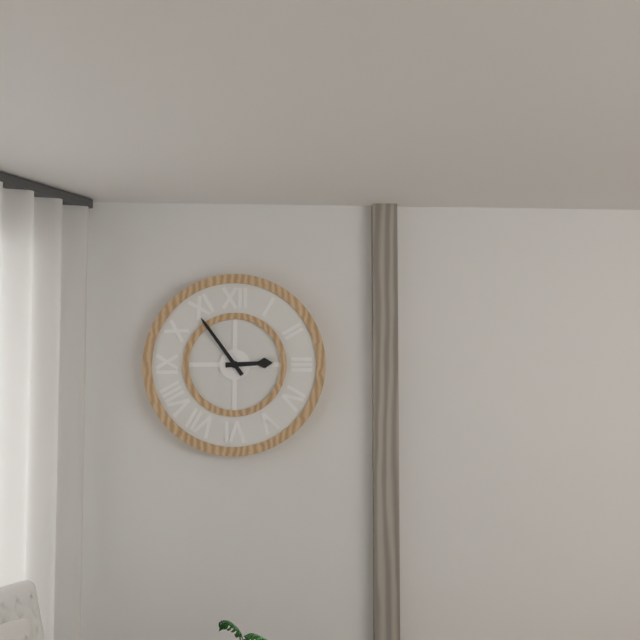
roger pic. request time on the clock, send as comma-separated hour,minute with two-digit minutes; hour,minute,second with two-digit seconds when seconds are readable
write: 2,54
